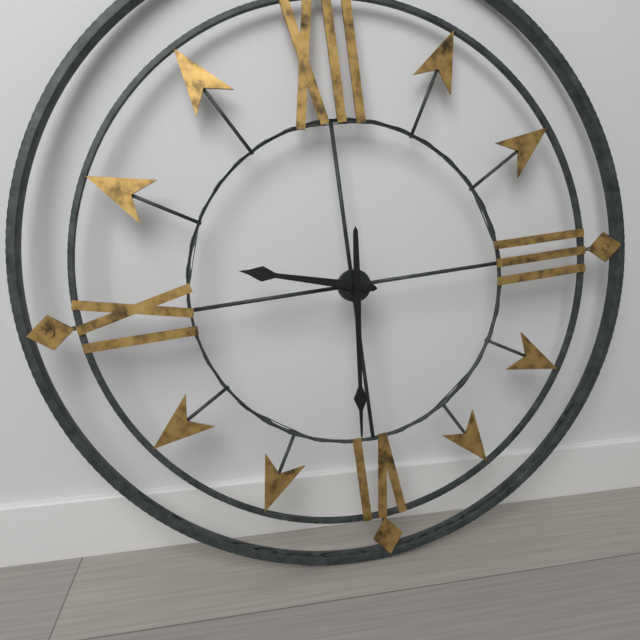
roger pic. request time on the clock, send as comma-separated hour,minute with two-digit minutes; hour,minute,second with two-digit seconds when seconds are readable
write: 9,31
